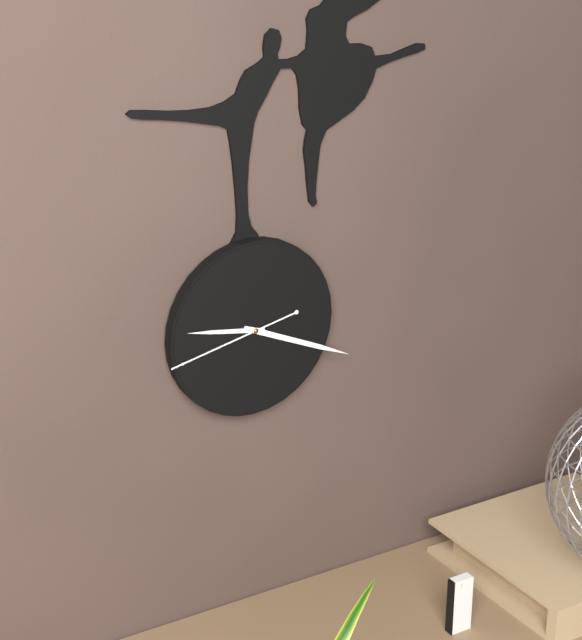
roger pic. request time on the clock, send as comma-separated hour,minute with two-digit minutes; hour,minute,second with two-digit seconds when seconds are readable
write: 9,19,43
